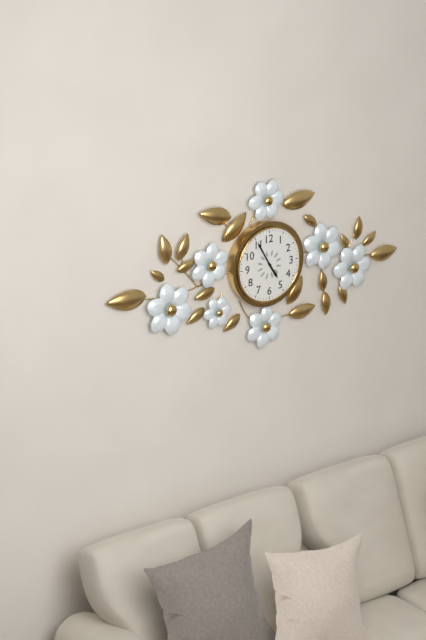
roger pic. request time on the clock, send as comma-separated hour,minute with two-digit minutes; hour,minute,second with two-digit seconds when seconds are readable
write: 4,55
